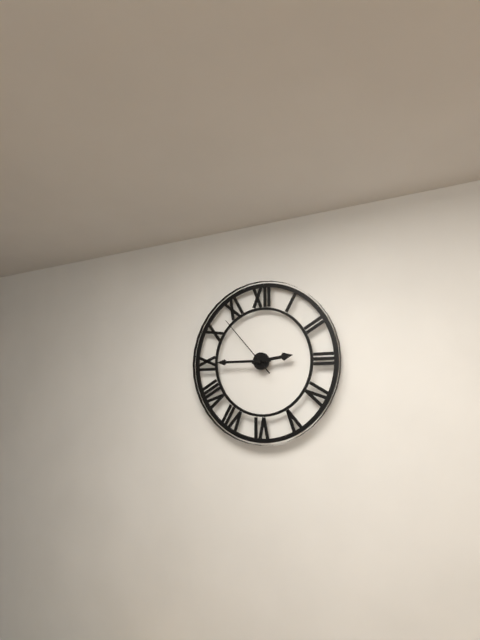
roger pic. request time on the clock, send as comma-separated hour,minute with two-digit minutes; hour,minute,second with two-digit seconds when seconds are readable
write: 2,45,53
